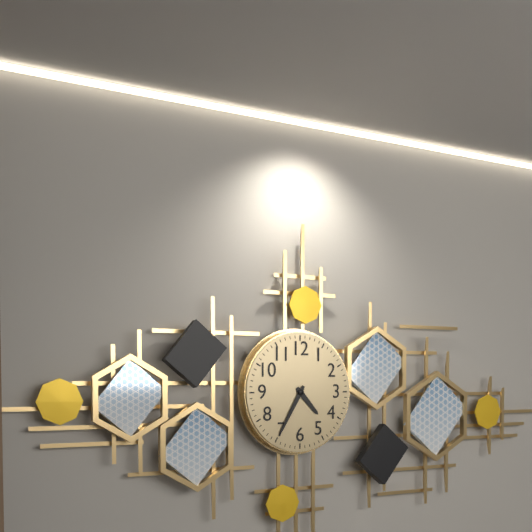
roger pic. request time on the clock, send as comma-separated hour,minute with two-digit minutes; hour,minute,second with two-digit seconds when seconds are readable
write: 4,35
